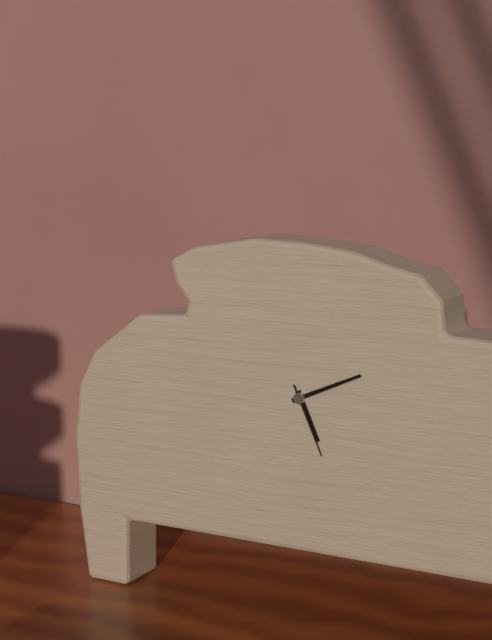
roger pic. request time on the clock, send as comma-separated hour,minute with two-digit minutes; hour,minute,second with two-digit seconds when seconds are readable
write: 5,11,26
